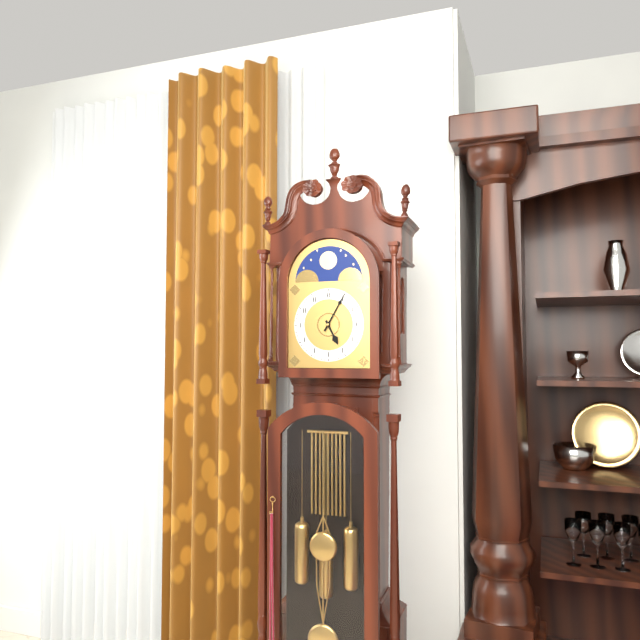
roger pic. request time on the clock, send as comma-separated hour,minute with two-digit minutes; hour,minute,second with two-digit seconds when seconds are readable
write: 5,05
